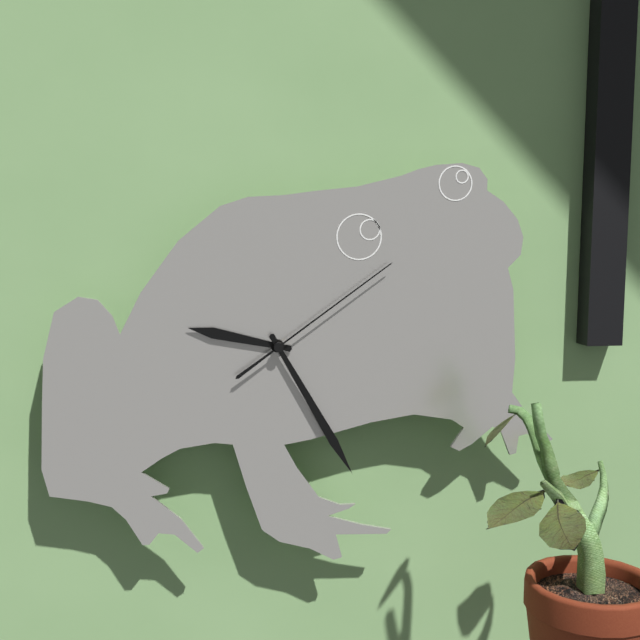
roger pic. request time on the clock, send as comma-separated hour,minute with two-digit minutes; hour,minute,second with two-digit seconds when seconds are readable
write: 9,25,09
